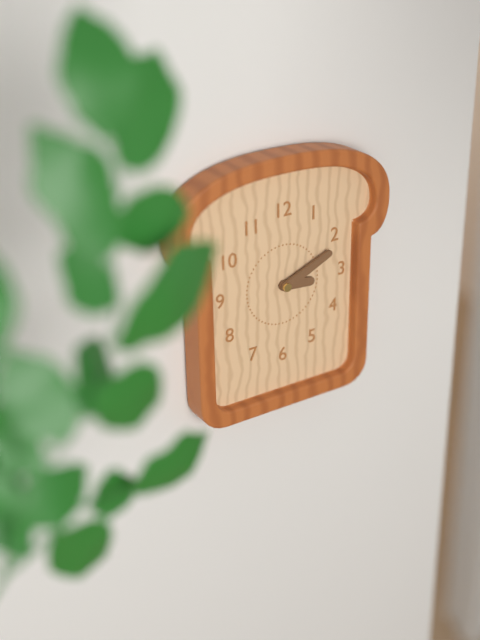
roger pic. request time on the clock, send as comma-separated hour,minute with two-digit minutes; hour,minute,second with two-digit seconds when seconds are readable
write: 3,11
